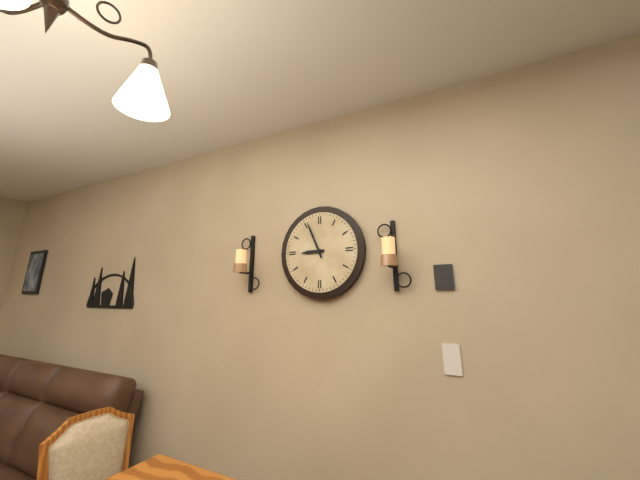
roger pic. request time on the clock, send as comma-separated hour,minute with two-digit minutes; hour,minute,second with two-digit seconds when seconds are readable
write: 8,56
